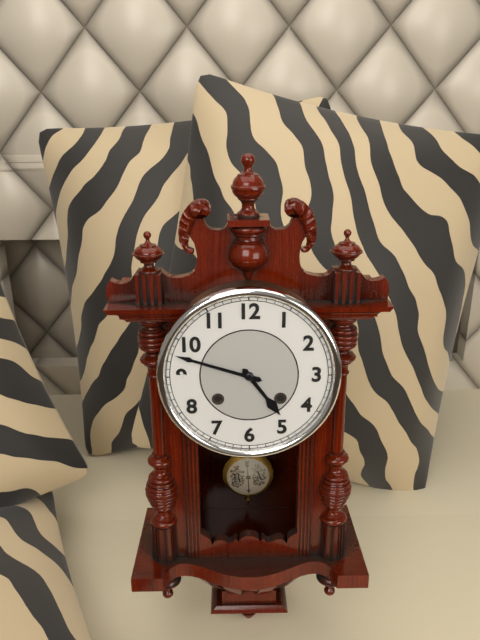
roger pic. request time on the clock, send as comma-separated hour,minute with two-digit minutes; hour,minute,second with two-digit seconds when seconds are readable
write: 4,48
